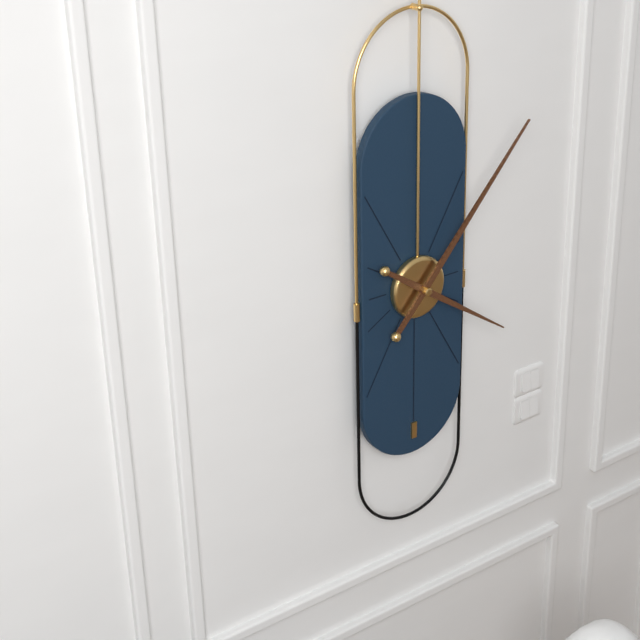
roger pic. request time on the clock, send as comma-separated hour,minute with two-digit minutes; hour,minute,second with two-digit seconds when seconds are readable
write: 4,07
